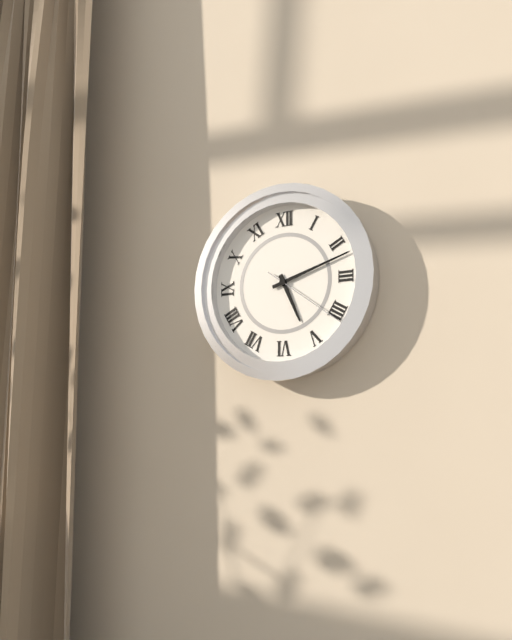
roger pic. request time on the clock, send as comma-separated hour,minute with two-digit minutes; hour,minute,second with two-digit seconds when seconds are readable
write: 5,12,21
